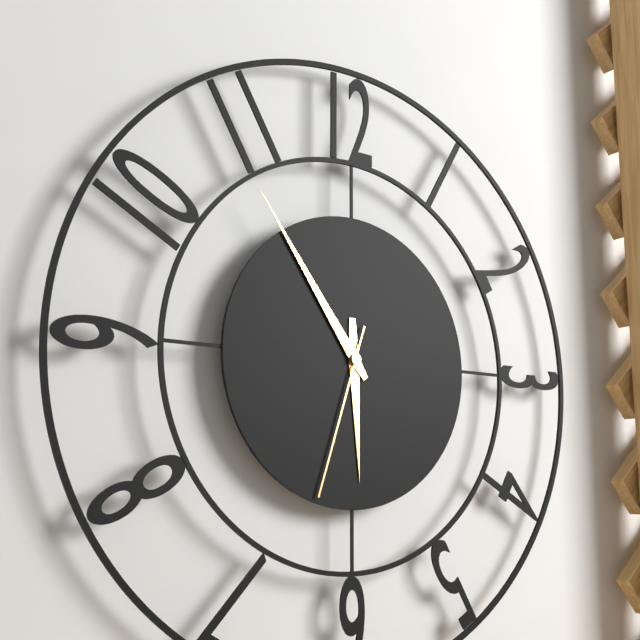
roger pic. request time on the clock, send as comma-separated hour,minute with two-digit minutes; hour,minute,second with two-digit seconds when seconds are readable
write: 5,54,33
